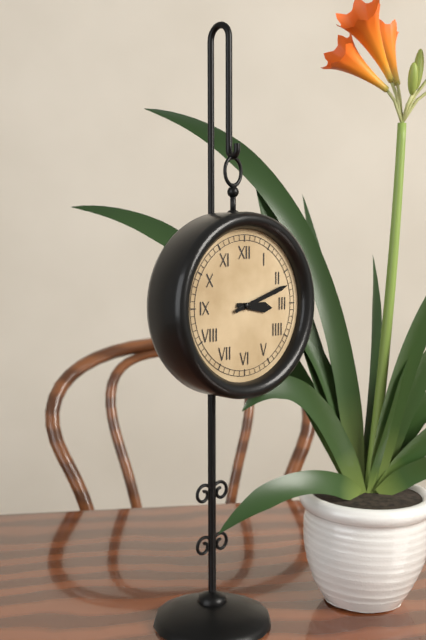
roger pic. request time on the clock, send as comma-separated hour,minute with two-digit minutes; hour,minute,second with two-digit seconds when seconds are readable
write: 3,12
